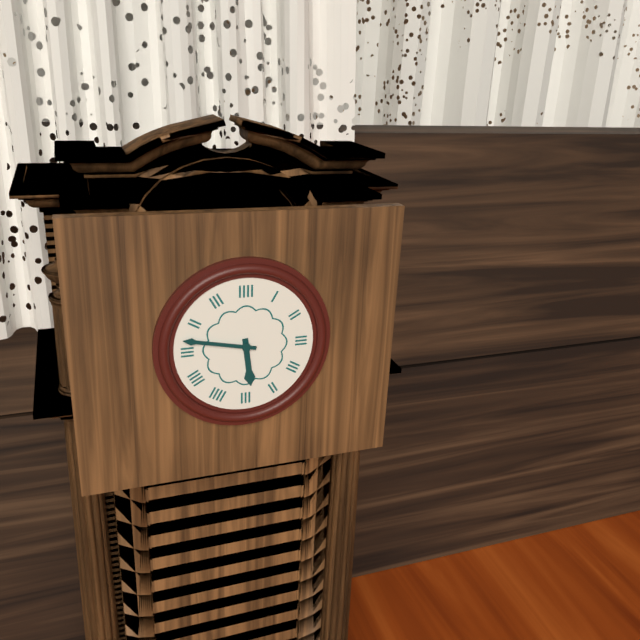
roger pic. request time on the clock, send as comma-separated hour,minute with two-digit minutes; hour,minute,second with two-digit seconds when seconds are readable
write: 5,47
